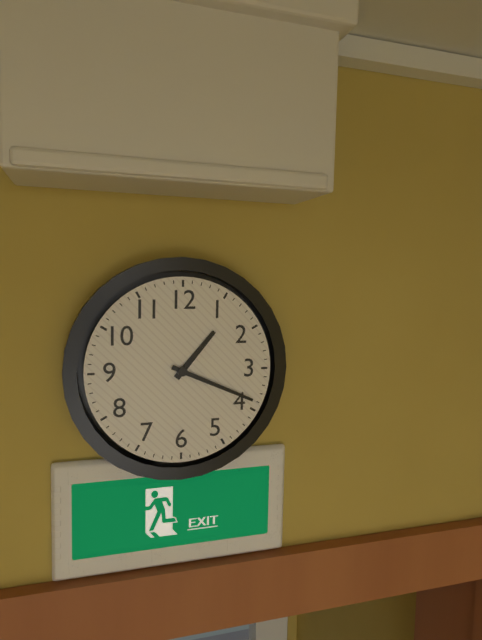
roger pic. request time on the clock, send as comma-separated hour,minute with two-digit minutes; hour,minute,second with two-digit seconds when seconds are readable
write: 1,19
